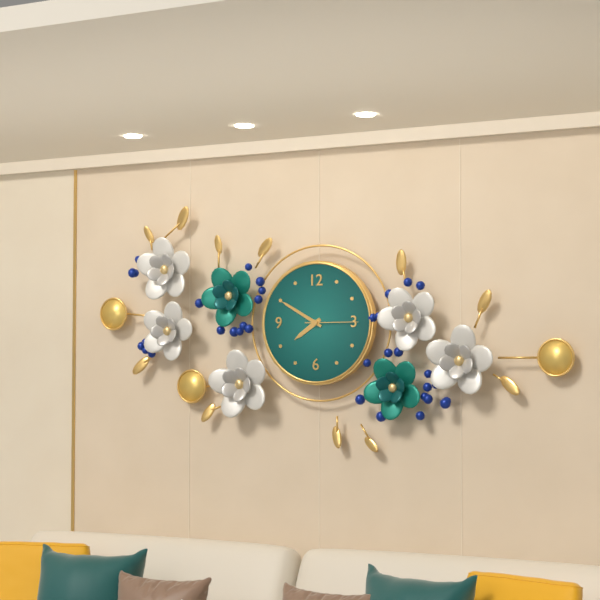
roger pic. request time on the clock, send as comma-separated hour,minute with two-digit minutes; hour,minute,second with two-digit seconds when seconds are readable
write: 7,50,15
